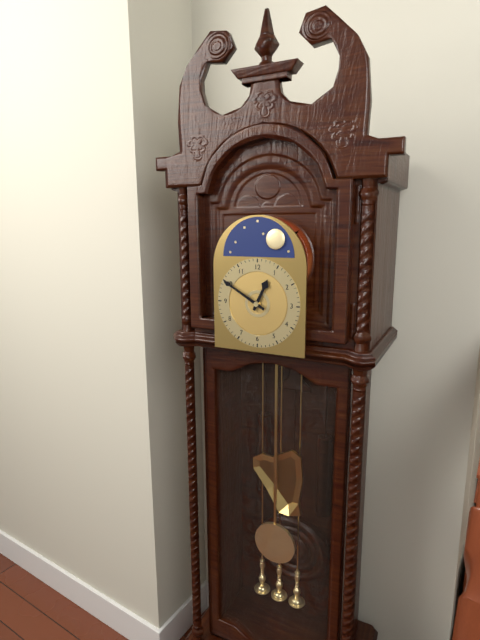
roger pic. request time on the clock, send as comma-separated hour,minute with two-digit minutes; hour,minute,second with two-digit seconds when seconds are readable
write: 12,50
